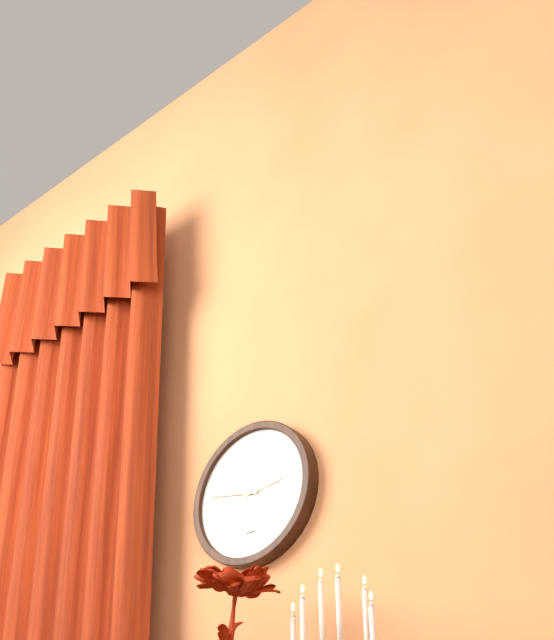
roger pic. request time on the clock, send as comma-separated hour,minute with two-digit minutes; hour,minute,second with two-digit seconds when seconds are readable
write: 2,47
